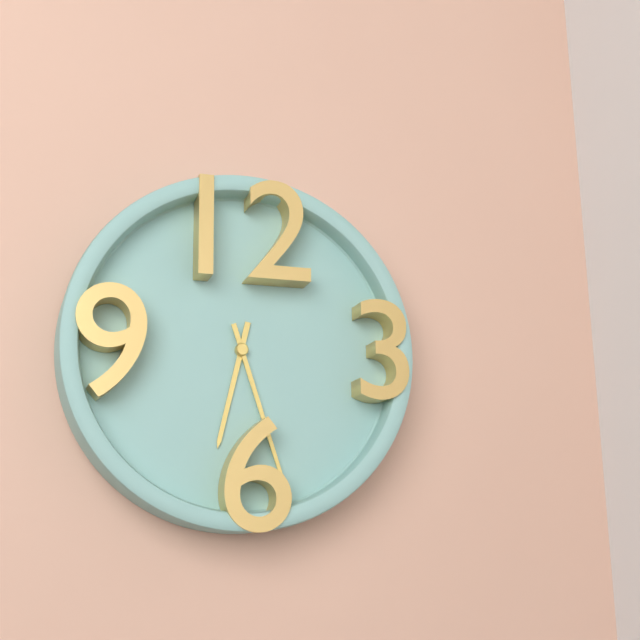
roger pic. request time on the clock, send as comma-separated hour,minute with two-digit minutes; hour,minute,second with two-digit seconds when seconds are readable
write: 6,27
